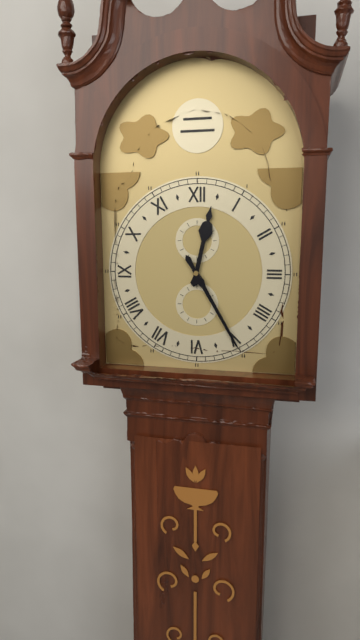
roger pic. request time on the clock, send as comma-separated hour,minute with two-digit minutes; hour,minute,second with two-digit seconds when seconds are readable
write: 12,25
